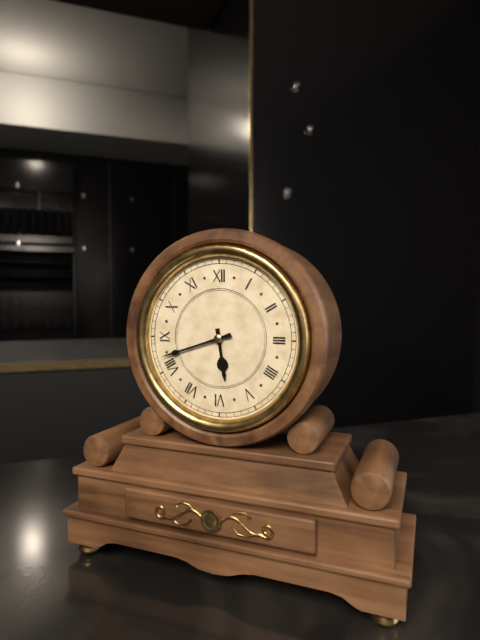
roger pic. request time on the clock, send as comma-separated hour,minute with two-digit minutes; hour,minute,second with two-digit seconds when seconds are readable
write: 5,42
